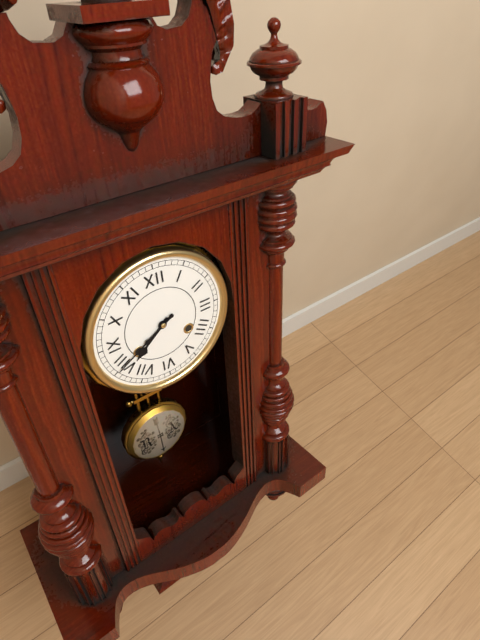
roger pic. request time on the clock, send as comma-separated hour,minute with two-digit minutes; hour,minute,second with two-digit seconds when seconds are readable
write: 7,40
